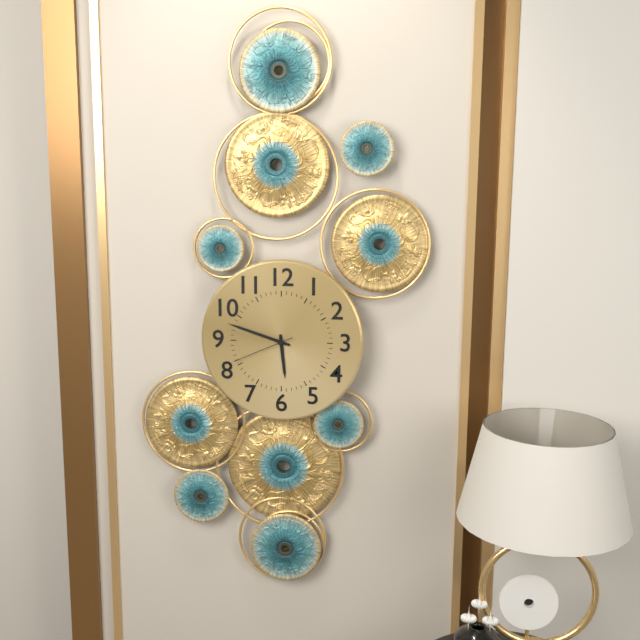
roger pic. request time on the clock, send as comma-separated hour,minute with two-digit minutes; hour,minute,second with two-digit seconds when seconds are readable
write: 5,48,41
